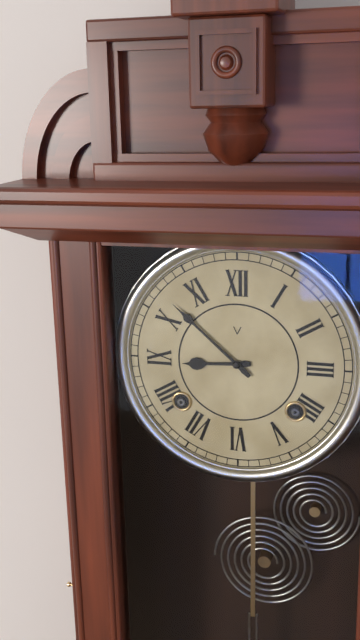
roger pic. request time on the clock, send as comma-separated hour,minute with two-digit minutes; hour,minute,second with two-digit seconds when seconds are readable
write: 8,52
